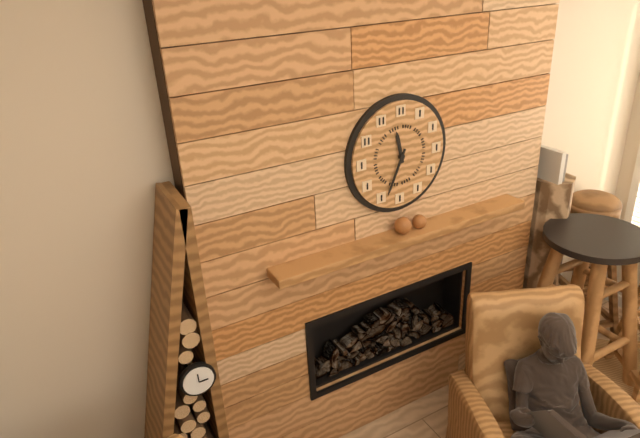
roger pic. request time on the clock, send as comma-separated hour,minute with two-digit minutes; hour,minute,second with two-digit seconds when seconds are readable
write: 11,34
